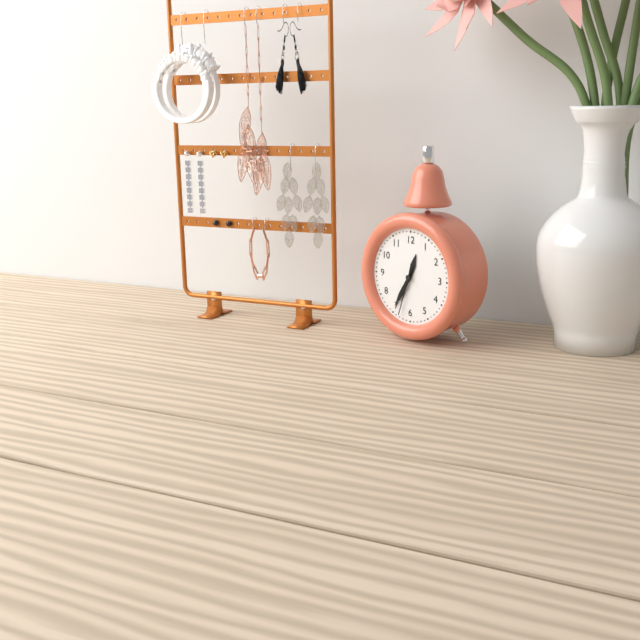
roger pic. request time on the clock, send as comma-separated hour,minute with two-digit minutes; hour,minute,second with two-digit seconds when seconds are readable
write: 12,35
